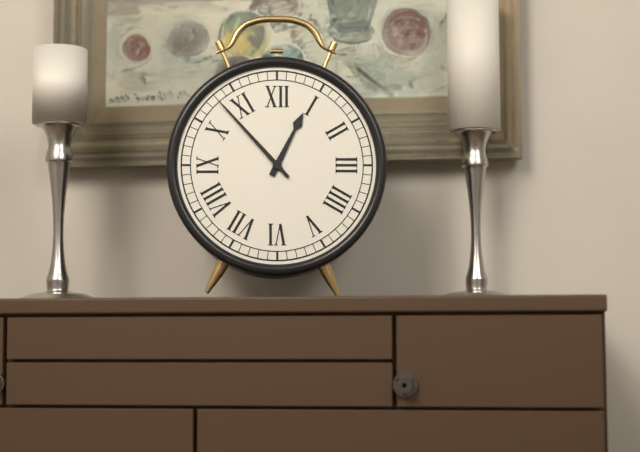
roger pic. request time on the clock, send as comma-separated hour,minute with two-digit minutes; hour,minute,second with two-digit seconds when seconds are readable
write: 12,53
